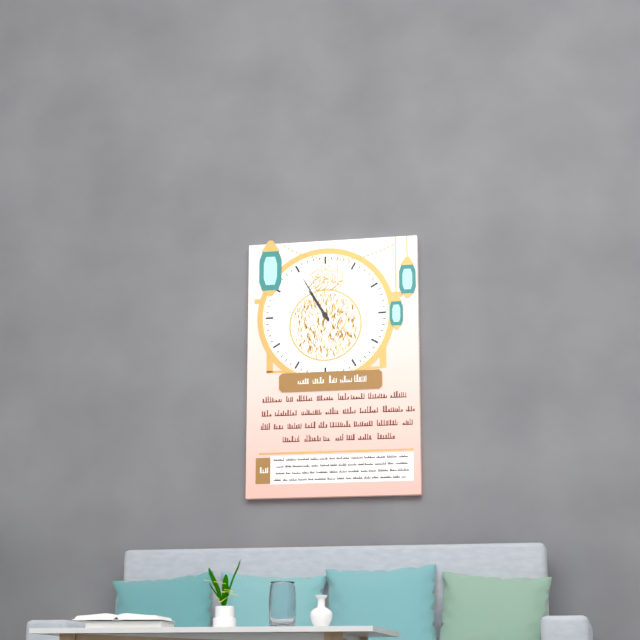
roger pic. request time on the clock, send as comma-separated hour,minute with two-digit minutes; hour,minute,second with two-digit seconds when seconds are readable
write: 10,55
